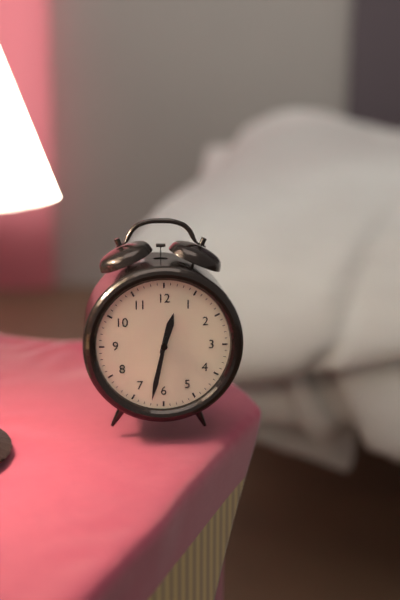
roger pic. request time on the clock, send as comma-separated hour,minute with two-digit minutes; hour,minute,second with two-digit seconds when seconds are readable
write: 12,32
